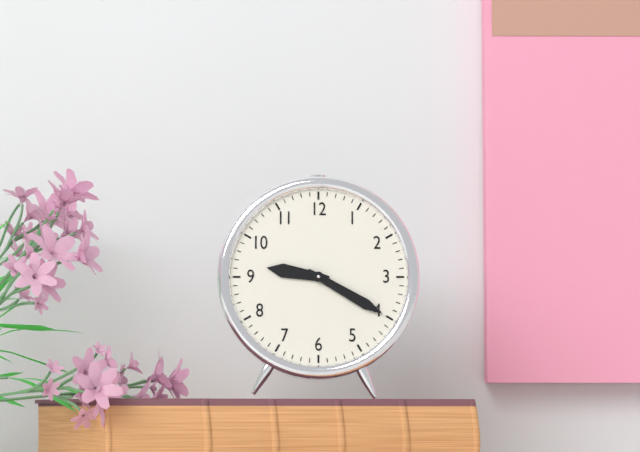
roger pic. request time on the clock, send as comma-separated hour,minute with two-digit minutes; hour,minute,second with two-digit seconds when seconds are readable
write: 9,20
